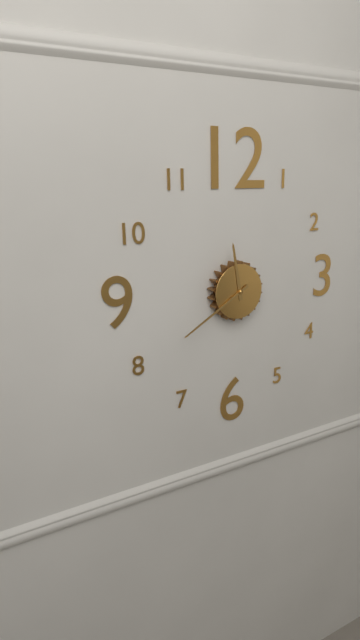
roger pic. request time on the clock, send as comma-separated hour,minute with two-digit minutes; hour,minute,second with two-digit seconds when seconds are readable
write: 11,40
